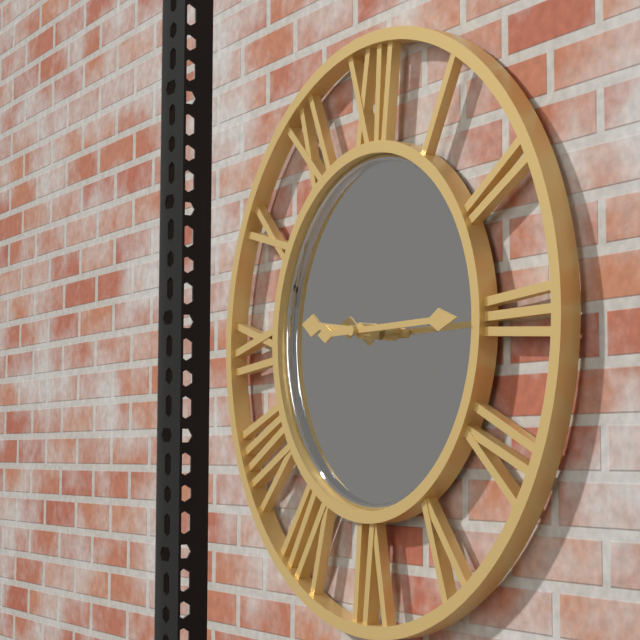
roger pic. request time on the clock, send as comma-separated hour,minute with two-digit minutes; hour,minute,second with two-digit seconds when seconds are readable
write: 9,15
